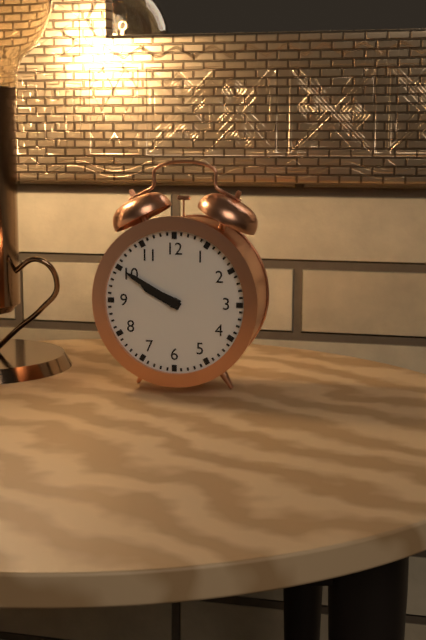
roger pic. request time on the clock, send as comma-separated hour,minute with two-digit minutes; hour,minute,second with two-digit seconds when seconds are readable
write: 9,50
